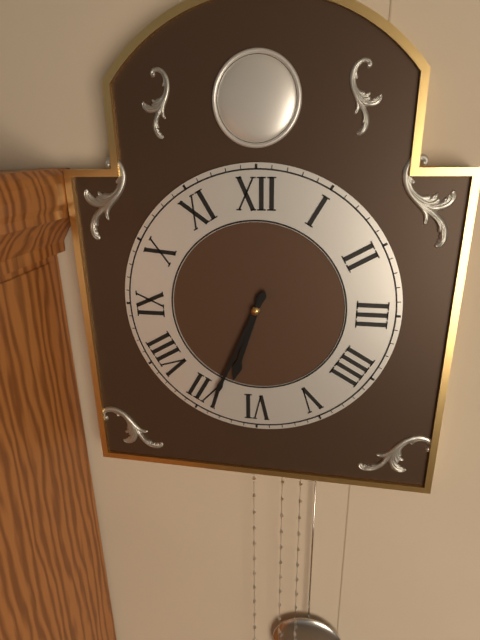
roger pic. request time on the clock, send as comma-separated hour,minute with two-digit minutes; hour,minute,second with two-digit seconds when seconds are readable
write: 6,34
